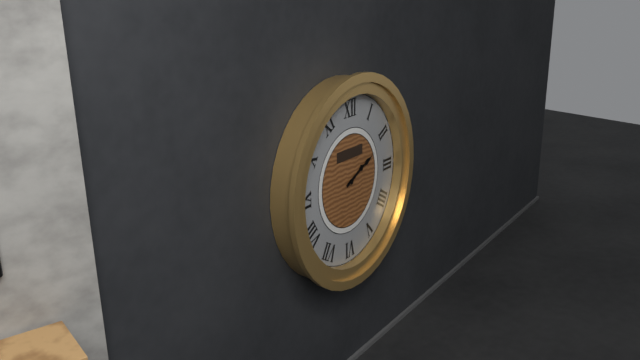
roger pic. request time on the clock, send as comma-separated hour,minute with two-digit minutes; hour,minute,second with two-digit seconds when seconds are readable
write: 2,11
